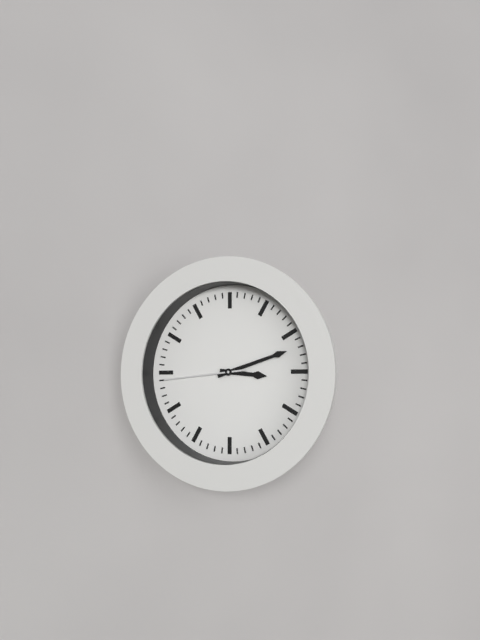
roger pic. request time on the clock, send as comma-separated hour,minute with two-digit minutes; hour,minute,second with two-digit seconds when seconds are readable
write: 3,12,44
